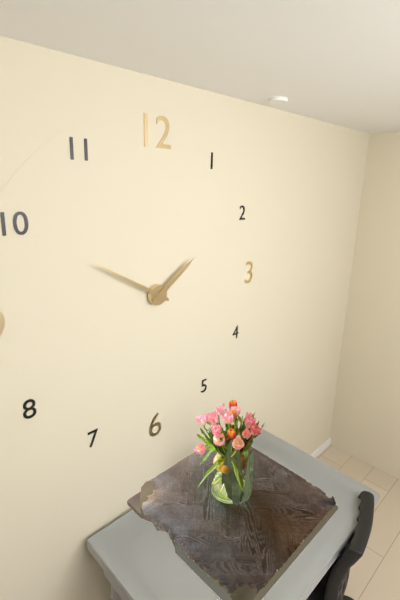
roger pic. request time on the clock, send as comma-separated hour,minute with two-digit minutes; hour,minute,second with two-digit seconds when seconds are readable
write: 1,50
